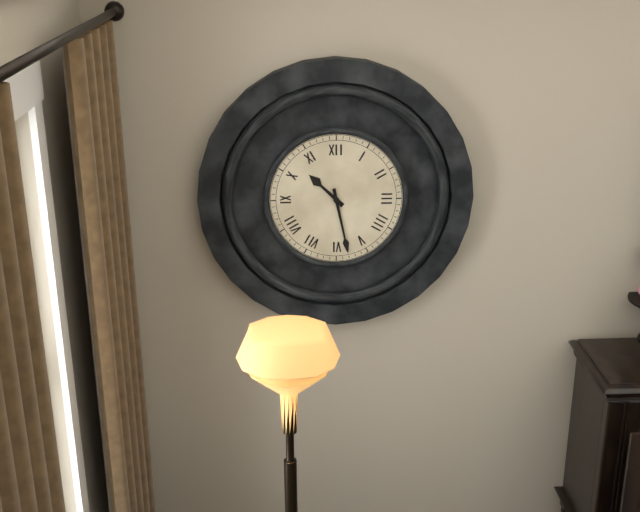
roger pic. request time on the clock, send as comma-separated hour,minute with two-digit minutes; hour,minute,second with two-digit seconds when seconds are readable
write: 10,28
